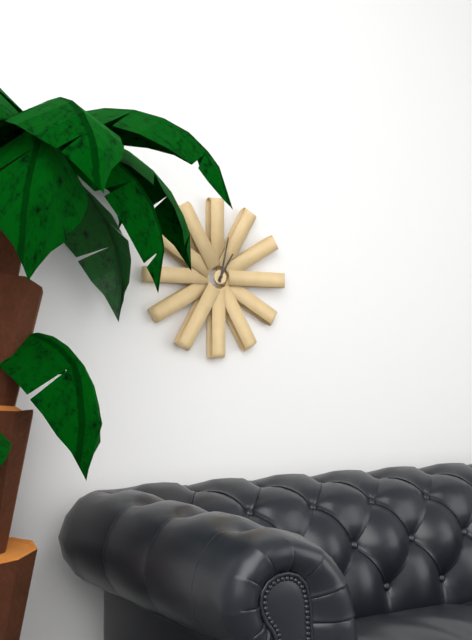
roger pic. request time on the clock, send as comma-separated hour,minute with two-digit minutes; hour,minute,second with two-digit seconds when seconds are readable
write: 1,02
